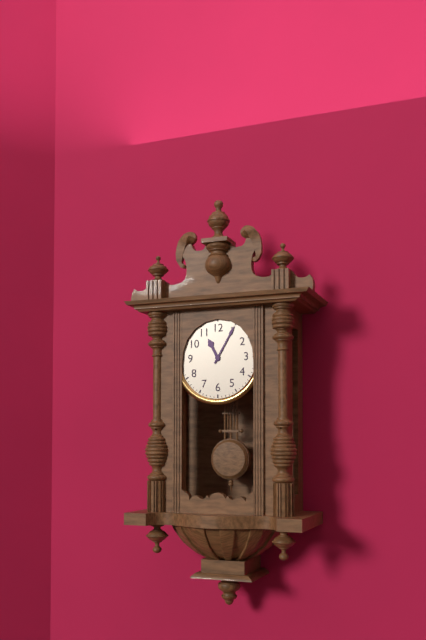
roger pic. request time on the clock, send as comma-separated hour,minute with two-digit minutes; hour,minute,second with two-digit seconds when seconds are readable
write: 11,05
